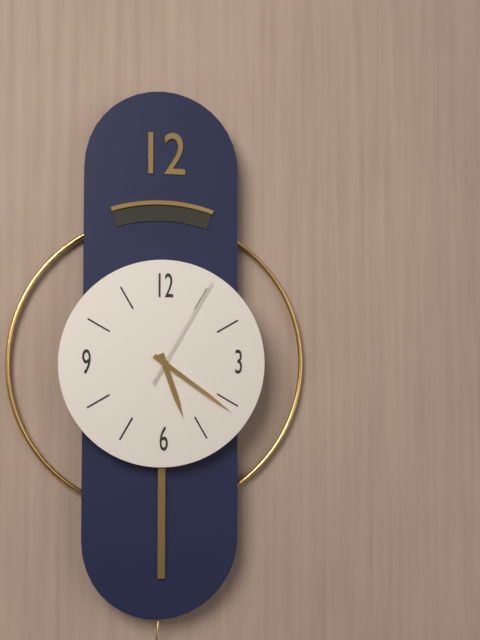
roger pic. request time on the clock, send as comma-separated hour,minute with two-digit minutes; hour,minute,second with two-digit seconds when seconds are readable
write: 5,21,05
